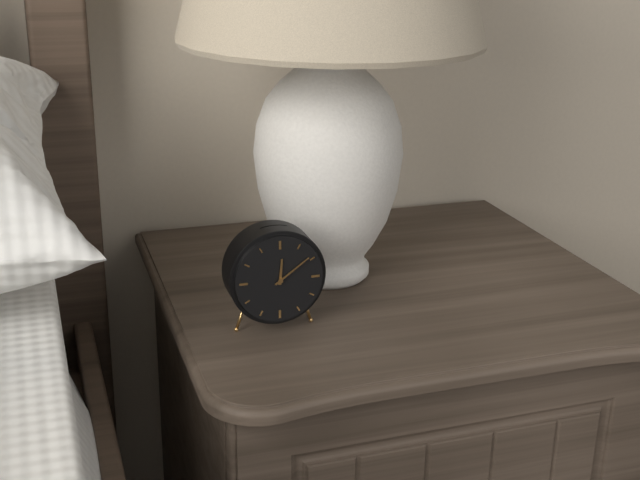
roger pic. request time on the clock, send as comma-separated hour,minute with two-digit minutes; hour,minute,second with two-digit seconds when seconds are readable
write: 12,09
